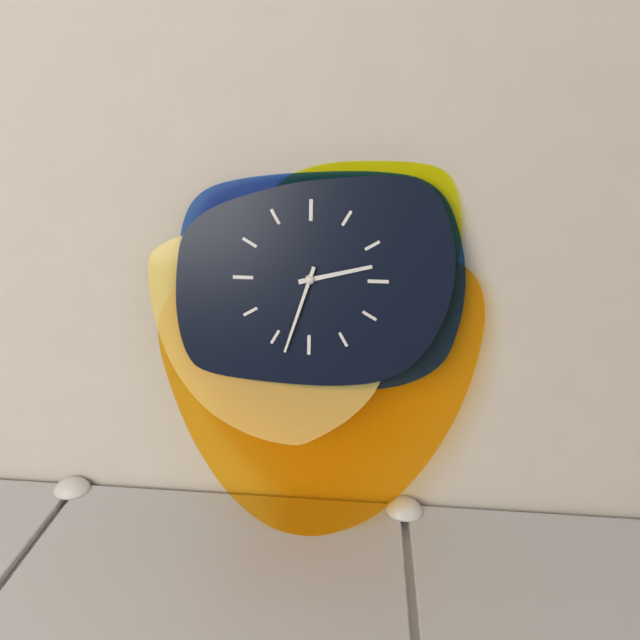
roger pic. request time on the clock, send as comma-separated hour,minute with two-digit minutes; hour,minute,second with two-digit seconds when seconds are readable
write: 2,33
